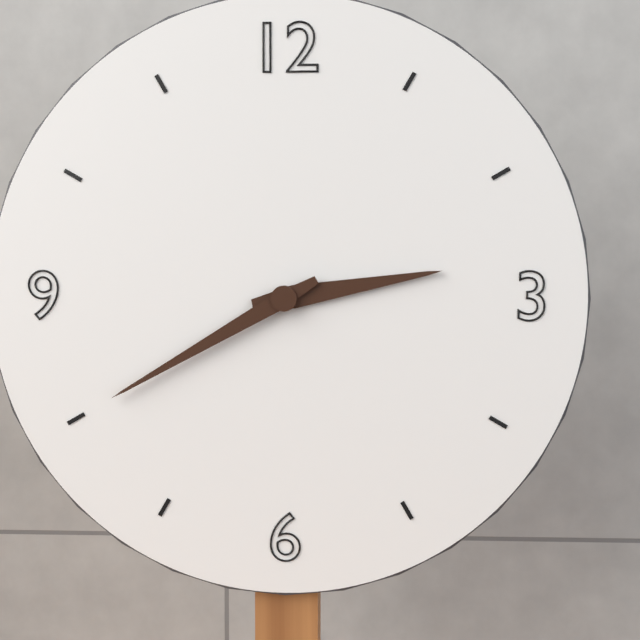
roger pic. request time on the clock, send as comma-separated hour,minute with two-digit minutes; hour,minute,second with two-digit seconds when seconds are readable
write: 2,40
